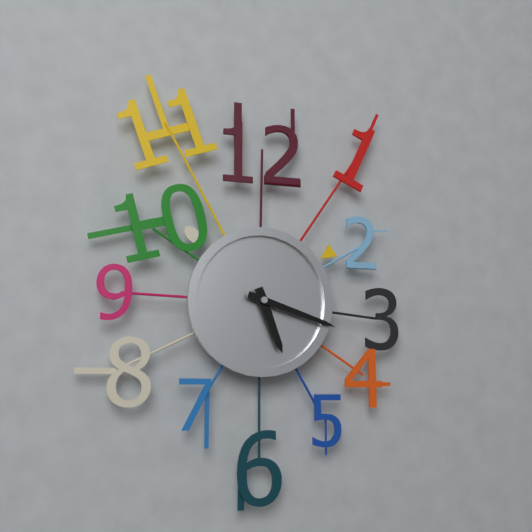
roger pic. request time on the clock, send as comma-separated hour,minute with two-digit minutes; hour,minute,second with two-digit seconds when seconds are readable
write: 5,18
